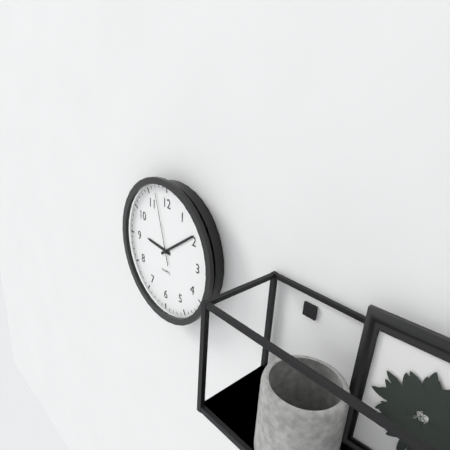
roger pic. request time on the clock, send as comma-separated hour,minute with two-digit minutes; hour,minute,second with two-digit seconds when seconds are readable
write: 9,09,57
